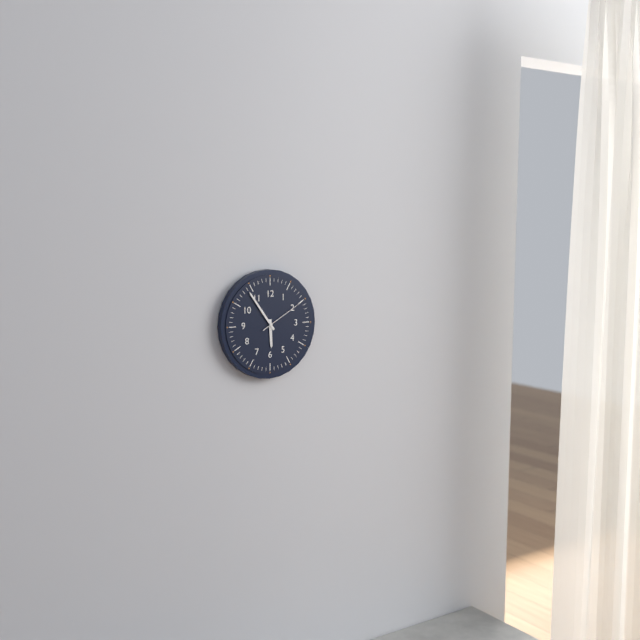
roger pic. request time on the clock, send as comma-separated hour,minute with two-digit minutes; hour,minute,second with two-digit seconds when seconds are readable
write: 5,54
